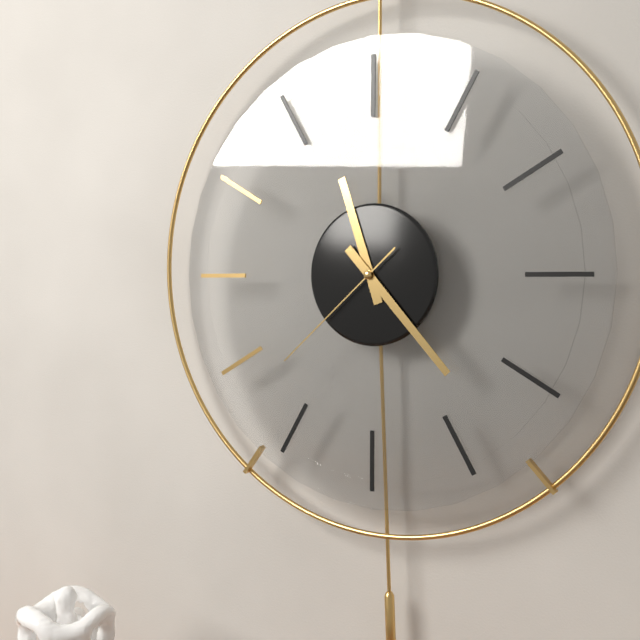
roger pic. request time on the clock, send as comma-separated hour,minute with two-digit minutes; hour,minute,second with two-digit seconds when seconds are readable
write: 11,23,38
